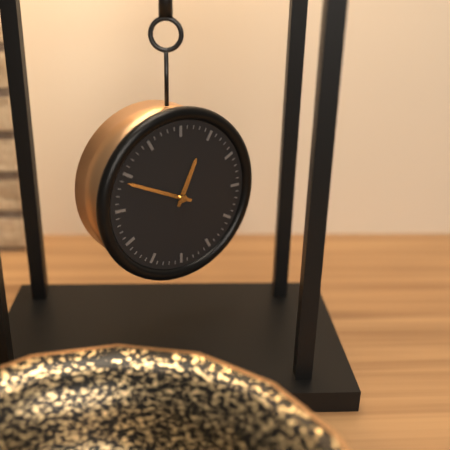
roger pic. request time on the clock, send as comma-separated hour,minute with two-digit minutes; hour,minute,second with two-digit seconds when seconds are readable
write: 12,49
